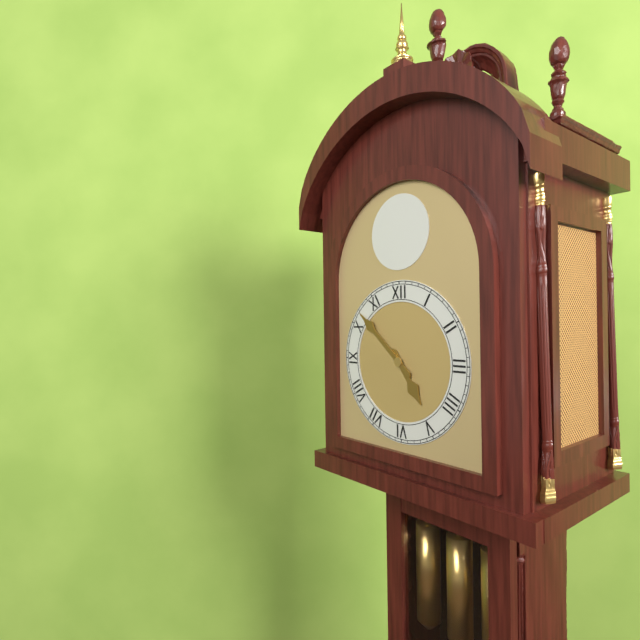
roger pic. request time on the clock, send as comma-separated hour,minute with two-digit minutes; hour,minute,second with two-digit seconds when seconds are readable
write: 4,52
